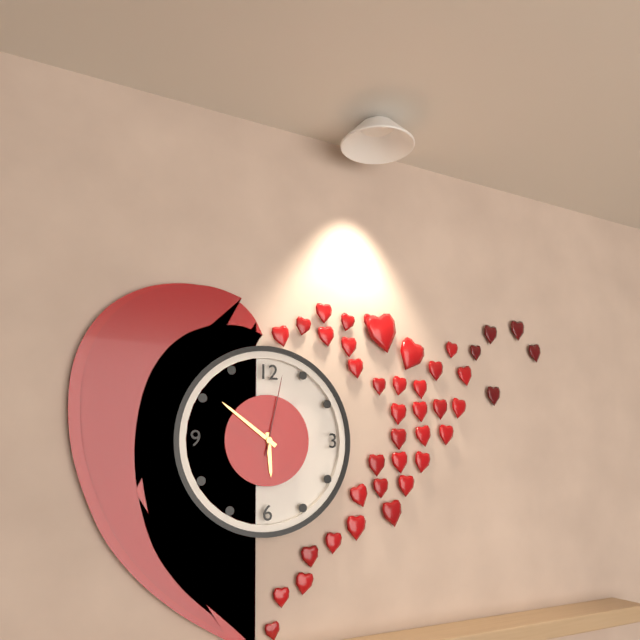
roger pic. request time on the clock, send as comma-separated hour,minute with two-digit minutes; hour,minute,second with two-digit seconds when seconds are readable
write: 5,51,02
